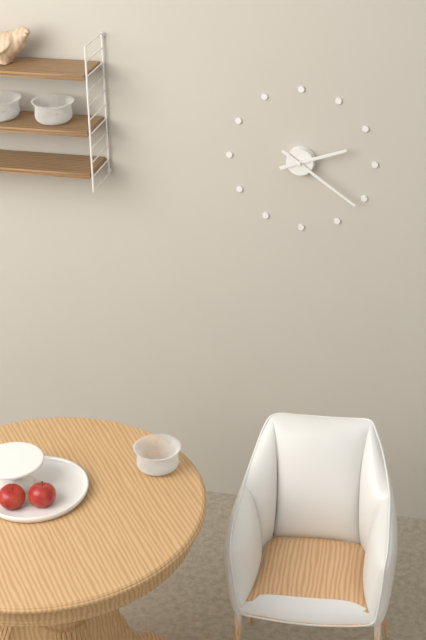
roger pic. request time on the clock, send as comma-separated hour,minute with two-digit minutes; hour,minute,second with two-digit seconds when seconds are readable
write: 2,21
